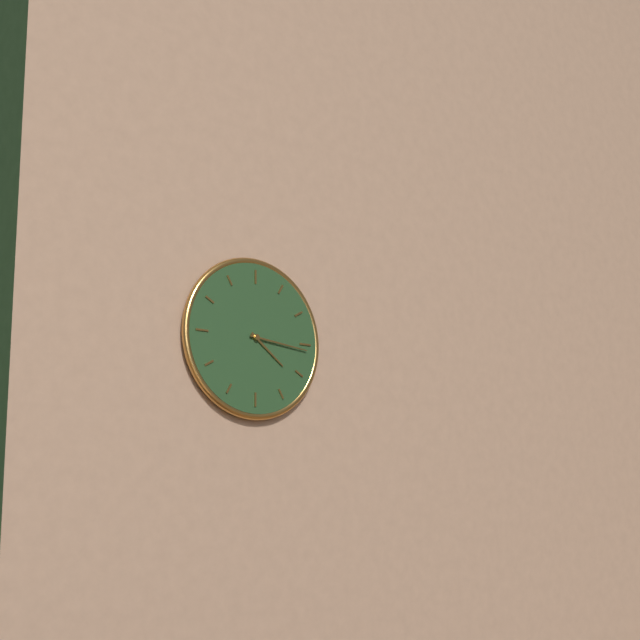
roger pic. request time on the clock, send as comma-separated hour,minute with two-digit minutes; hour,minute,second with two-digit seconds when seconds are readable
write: 4,16
